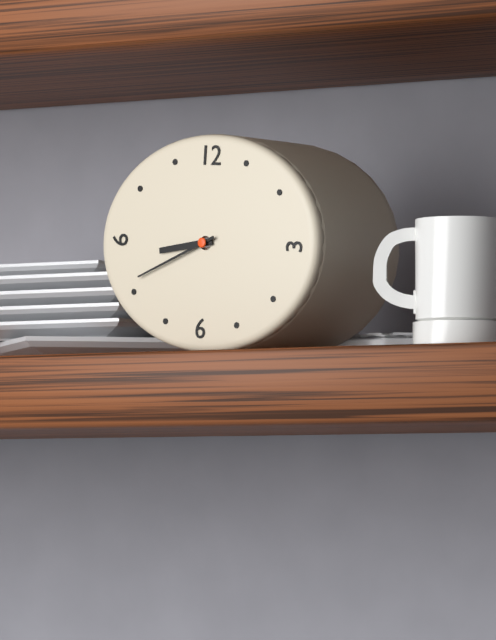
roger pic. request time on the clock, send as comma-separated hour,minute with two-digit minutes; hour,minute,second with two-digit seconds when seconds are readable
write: 8,41
